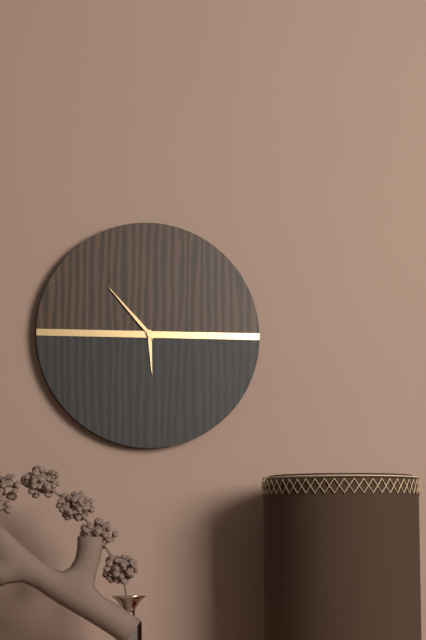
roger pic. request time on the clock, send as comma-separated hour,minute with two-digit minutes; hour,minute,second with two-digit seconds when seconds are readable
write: 5,53
